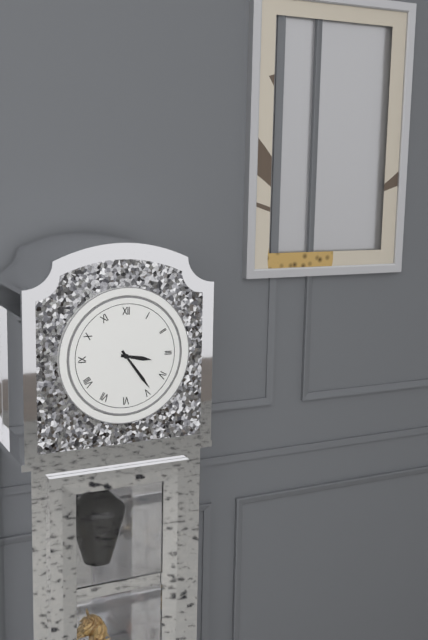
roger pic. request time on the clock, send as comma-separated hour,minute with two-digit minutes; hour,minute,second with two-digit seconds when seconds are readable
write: 3,24
